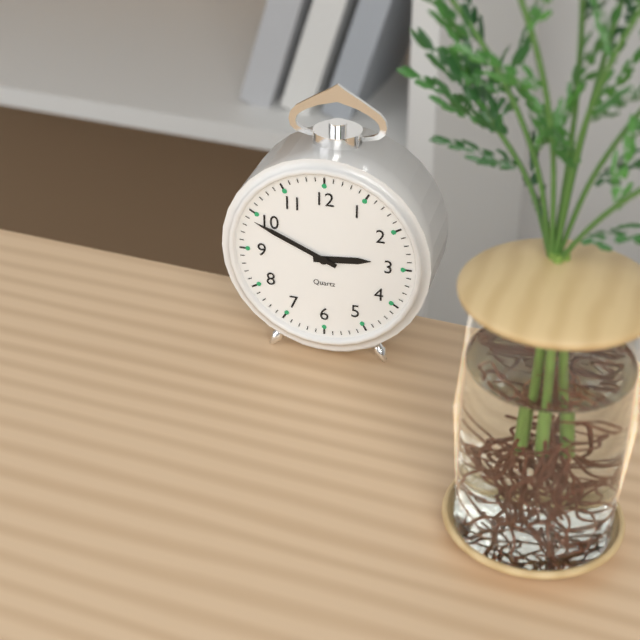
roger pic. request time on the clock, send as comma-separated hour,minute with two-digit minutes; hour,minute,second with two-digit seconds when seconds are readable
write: 2,49
